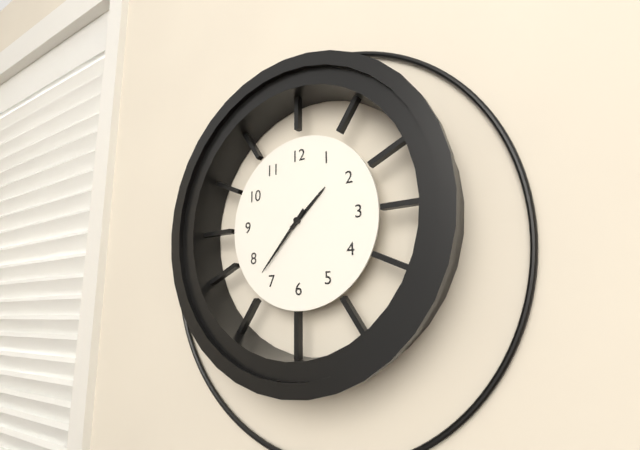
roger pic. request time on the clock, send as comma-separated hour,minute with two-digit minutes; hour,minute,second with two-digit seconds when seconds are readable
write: 1,37
